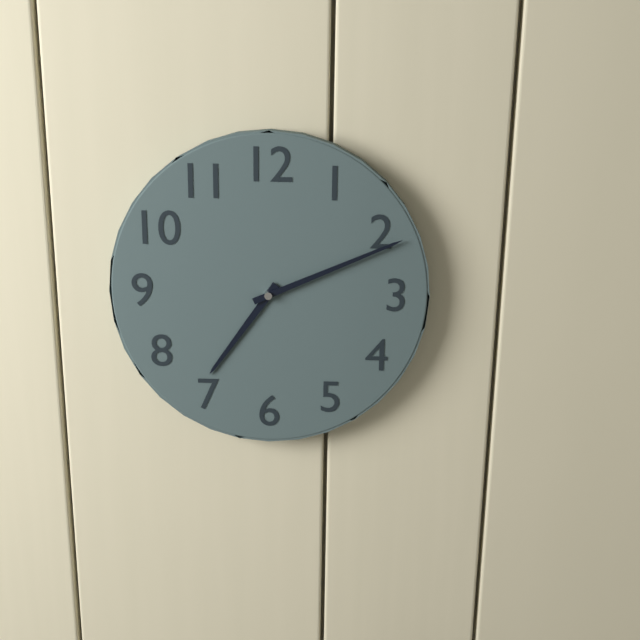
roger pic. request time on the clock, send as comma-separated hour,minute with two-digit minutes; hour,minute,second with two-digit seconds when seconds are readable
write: 7,11
